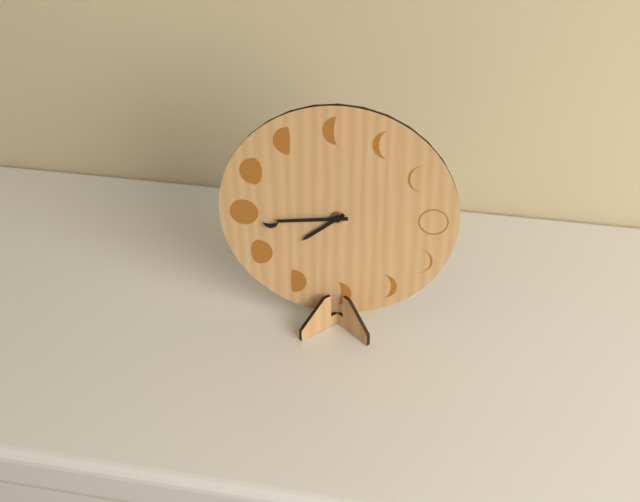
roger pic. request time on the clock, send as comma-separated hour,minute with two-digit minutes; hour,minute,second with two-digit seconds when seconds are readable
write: 7,44
